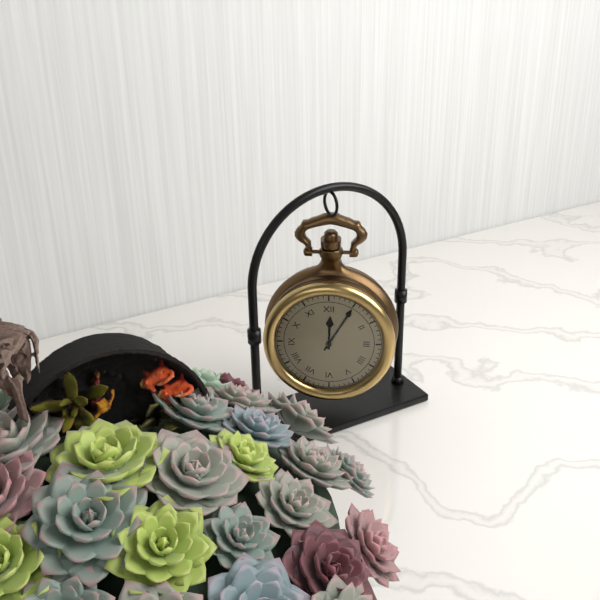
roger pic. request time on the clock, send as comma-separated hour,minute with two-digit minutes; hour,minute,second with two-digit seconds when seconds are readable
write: 12,05
